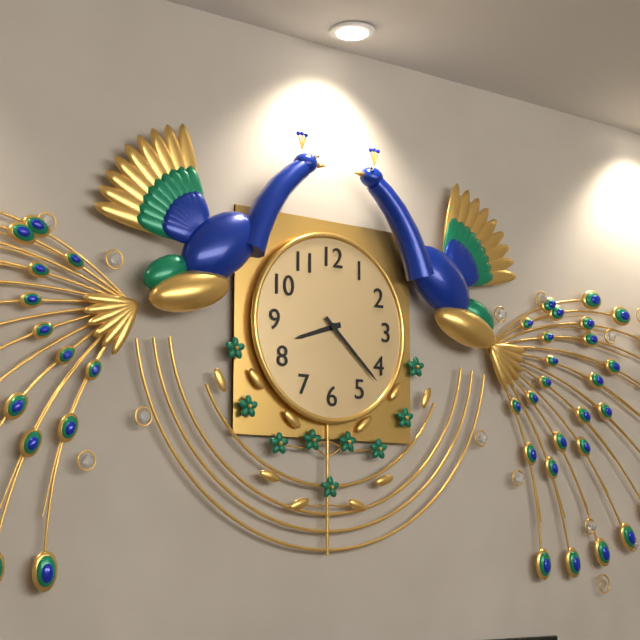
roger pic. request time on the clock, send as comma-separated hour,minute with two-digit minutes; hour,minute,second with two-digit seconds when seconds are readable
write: 8,22
